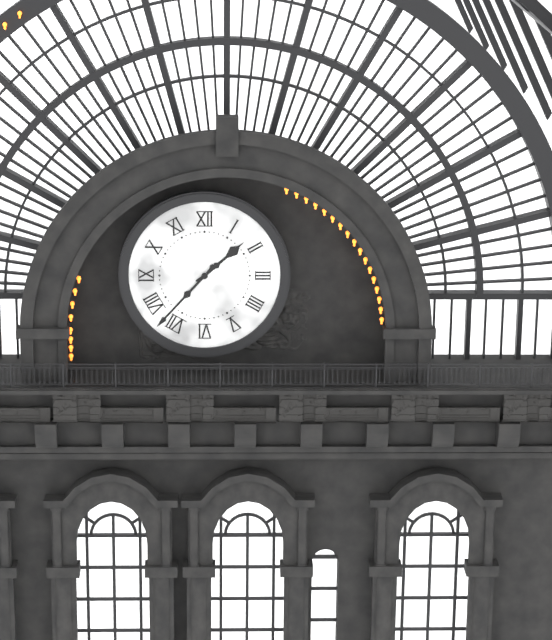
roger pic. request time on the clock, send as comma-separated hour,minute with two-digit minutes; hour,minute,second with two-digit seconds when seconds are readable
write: 1,37
